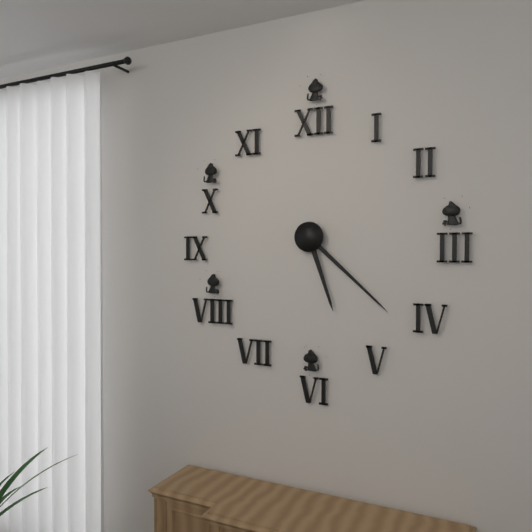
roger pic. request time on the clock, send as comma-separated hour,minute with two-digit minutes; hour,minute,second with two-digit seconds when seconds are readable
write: 5,22
